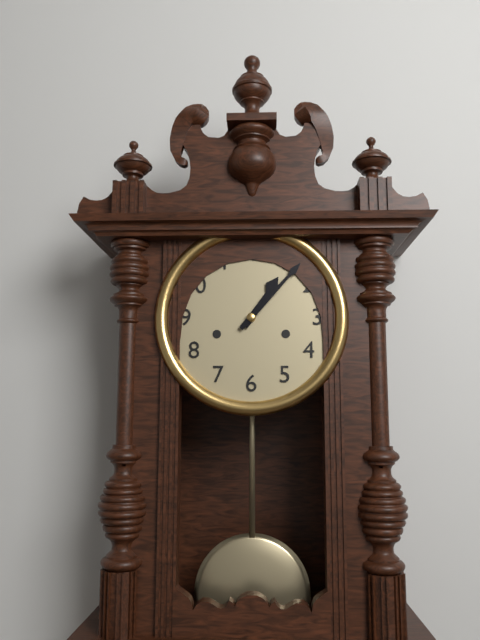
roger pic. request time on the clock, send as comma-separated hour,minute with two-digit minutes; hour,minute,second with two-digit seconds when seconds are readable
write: 1,07
